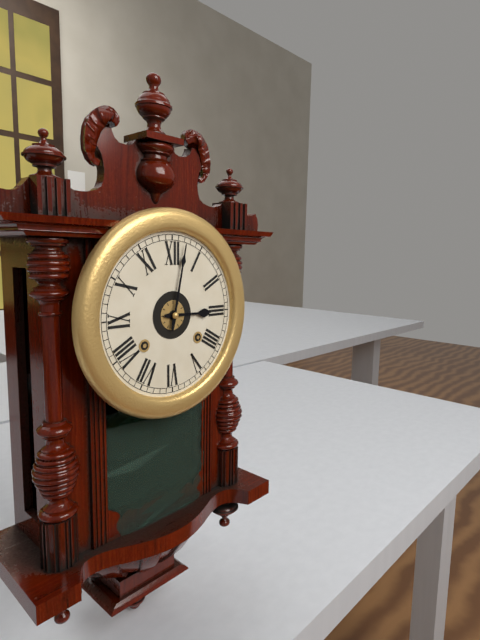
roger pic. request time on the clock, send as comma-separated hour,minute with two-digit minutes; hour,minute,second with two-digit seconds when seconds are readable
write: 3,02
